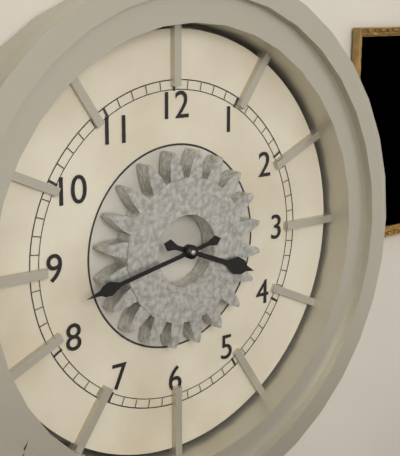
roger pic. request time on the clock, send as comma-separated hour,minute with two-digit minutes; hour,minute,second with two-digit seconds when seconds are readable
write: 3,43
